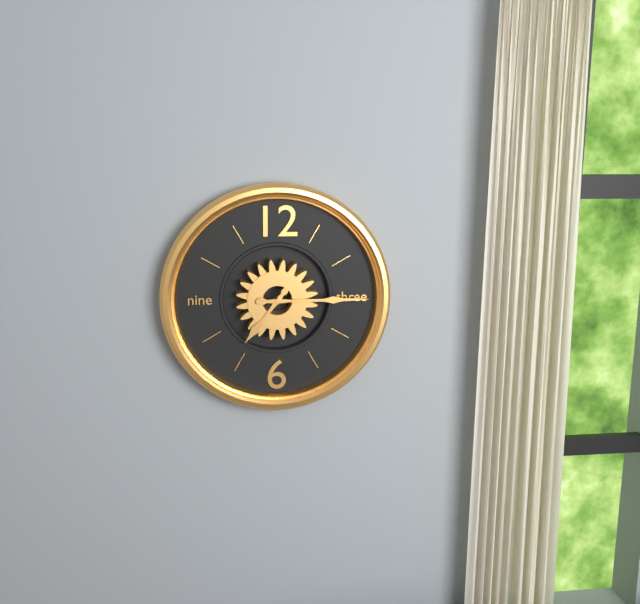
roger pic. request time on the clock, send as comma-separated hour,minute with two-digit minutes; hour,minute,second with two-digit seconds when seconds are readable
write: 7,15
